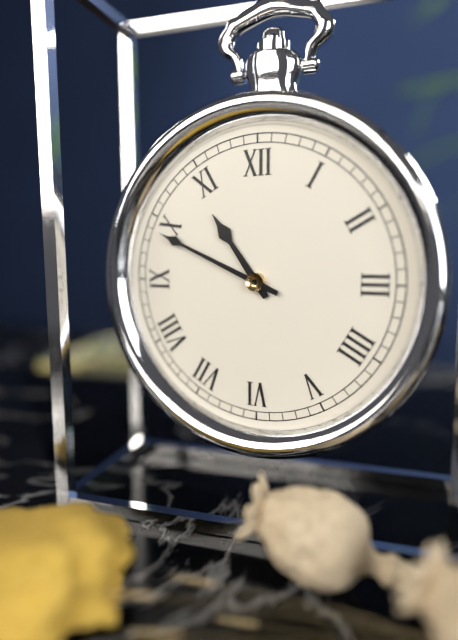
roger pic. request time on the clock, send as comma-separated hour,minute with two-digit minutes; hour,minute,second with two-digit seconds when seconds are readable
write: 10,49
